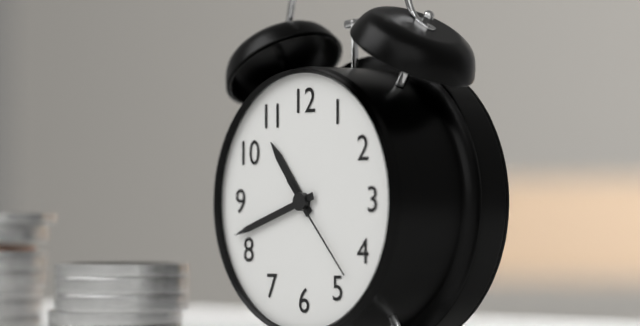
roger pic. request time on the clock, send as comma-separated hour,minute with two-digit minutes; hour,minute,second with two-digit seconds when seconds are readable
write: 10,42,23
